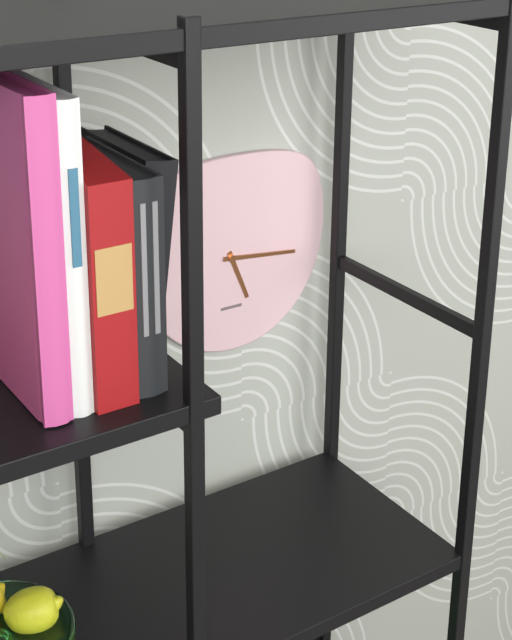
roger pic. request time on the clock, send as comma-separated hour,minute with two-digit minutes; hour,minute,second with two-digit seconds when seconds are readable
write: 5,16
